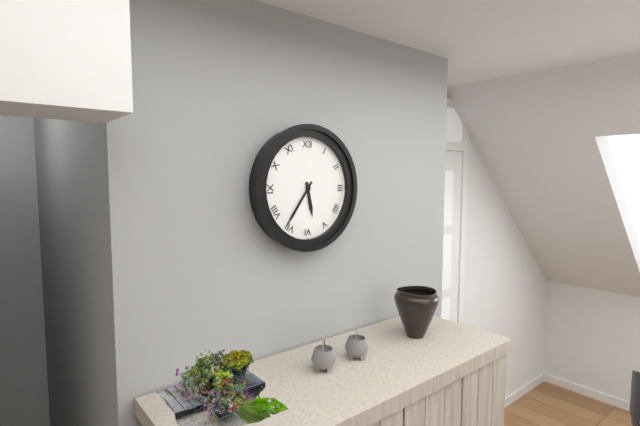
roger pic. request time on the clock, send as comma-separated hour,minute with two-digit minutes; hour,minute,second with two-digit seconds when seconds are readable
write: 5,36
